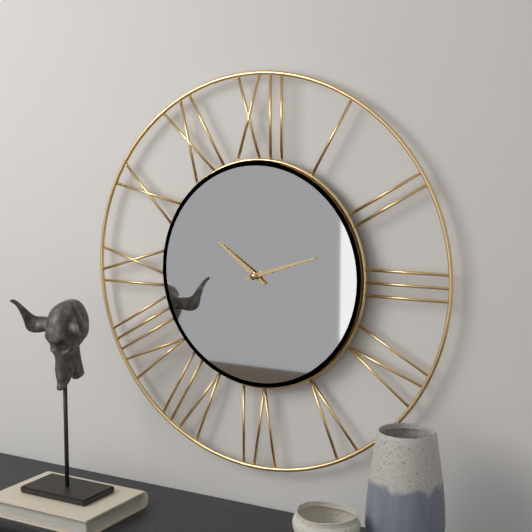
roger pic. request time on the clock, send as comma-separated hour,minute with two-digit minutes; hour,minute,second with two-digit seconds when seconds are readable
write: 10,12
